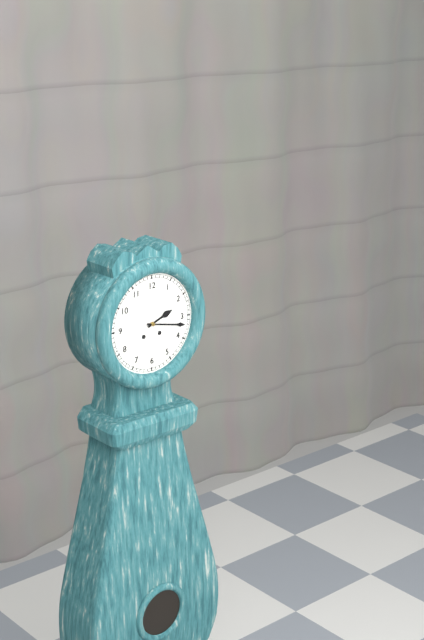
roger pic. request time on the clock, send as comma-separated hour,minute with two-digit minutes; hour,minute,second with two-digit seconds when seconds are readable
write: 2,17
